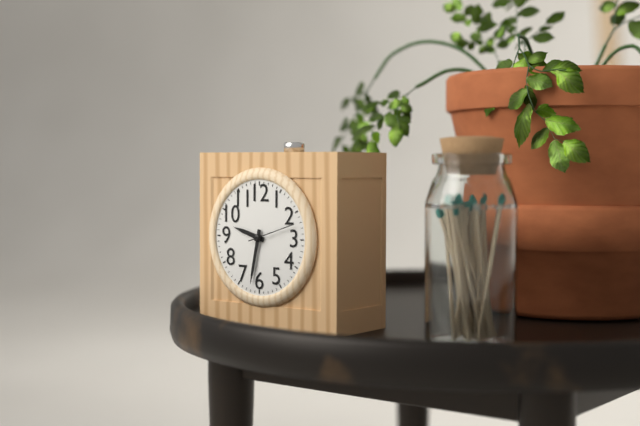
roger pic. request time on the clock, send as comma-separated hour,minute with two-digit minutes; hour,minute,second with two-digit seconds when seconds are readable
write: 9,32
